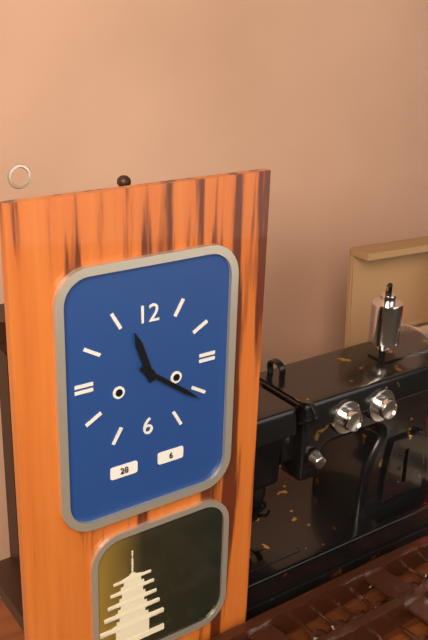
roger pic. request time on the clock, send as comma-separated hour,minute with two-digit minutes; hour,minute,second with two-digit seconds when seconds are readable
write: 11,21
